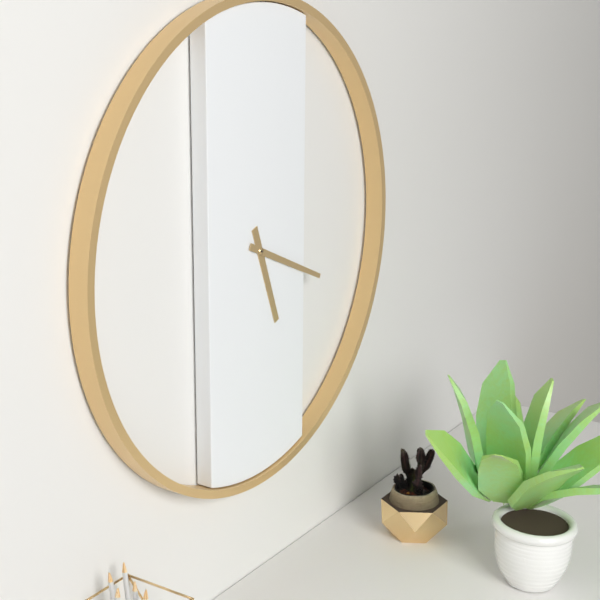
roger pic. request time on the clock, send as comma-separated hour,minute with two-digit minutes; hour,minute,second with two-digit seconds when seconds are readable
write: 5,19
